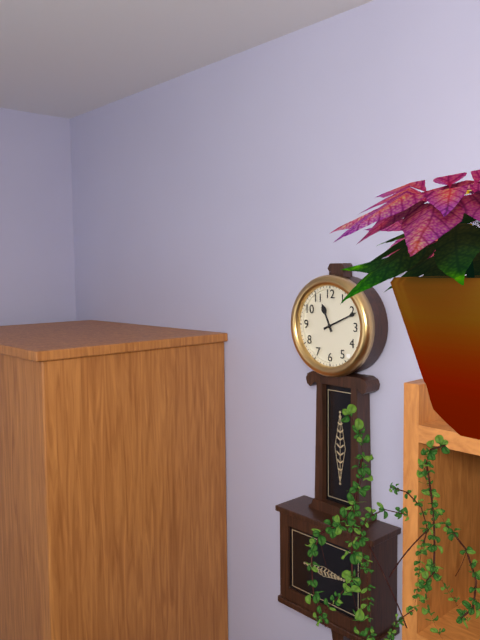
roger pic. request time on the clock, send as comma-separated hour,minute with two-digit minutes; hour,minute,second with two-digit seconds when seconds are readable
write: 11,11
